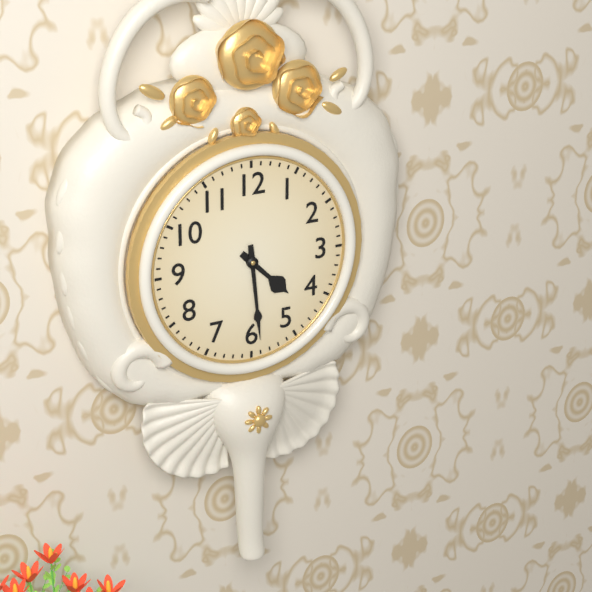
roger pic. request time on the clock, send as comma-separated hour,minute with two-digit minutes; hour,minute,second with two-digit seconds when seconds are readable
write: 4,29
